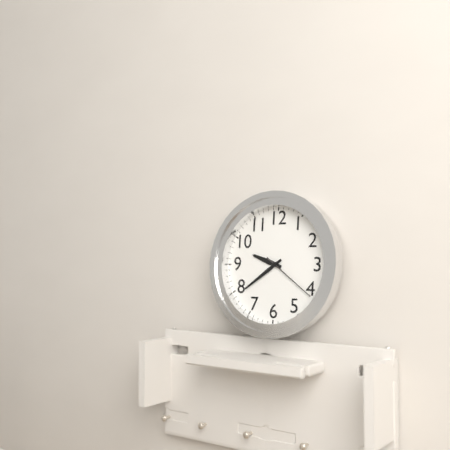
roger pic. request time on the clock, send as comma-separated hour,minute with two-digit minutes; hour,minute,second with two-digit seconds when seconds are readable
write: 9,39,21
